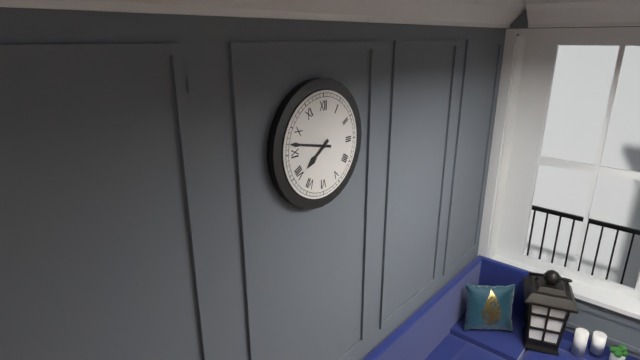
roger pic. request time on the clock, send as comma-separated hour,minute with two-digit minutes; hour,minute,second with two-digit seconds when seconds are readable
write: 7,47
